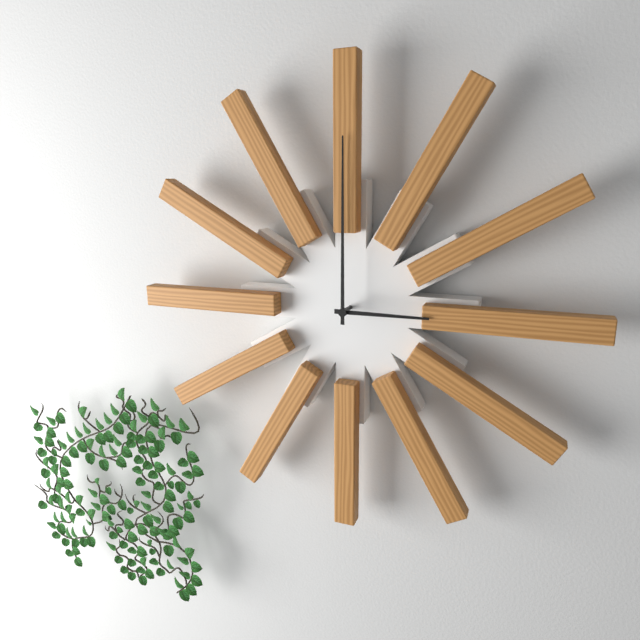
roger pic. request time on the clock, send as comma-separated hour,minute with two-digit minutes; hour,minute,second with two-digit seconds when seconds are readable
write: 3,00
